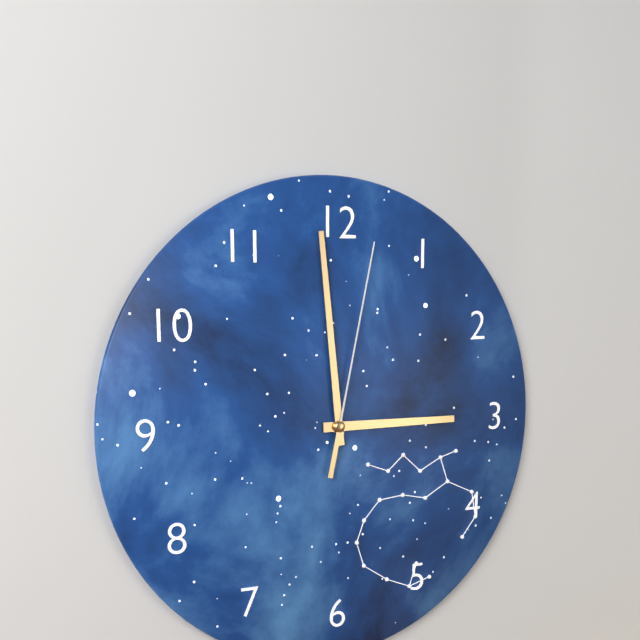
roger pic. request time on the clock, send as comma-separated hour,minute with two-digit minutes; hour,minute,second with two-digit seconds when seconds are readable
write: 2,59,02
